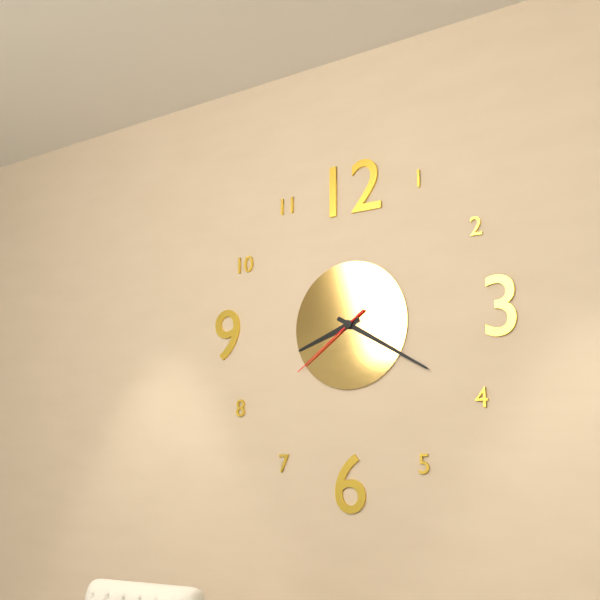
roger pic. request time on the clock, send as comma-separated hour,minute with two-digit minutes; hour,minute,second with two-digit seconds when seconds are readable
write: 8,20,39
